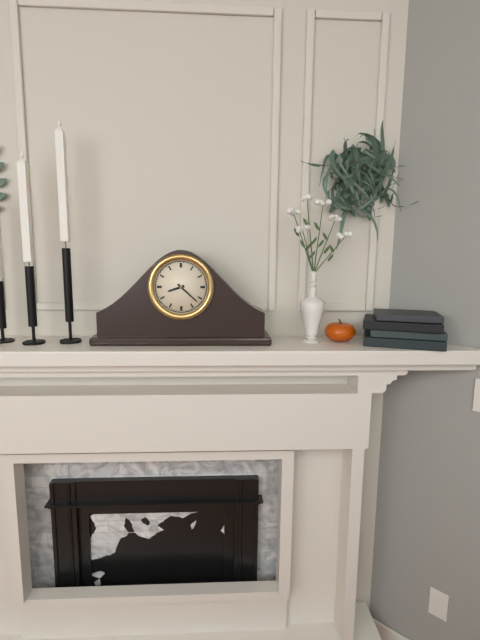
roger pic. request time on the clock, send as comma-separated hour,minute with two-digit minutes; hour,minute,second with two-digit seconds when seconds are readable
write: 8,22
